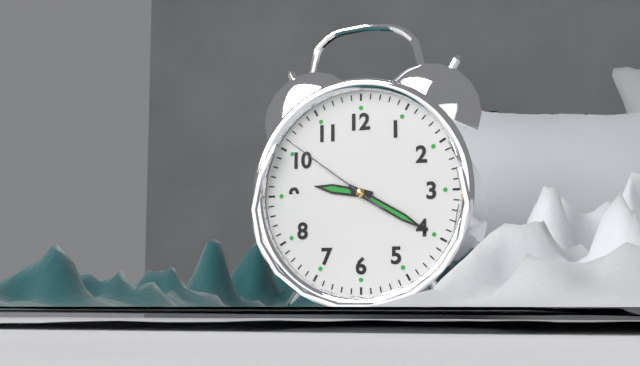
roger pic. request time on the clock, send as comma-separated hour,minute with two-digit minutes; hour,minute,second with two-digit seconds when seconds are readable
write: 9,20,51
